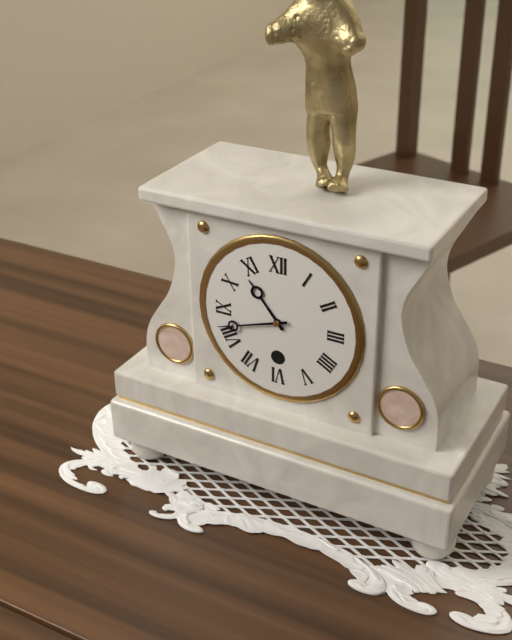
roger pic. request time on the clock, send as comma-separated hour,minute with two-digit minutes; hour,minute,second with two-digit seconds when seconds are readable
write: 10,42
